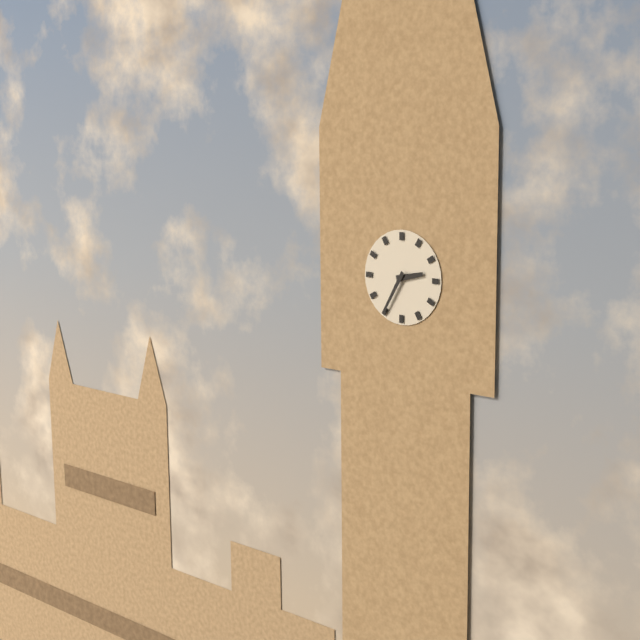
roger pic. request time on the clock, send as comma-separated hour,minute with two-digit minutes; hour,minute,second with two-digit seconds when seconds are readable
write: 2,35
